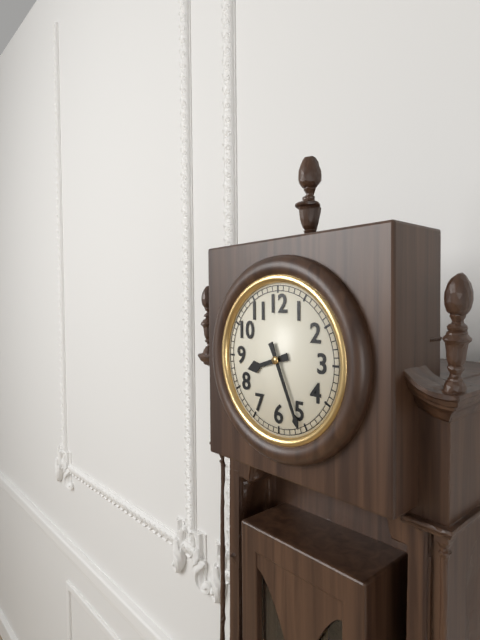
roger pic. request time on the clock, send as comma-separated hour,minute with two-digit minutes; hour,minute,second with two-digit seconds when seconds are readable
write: 8,26
